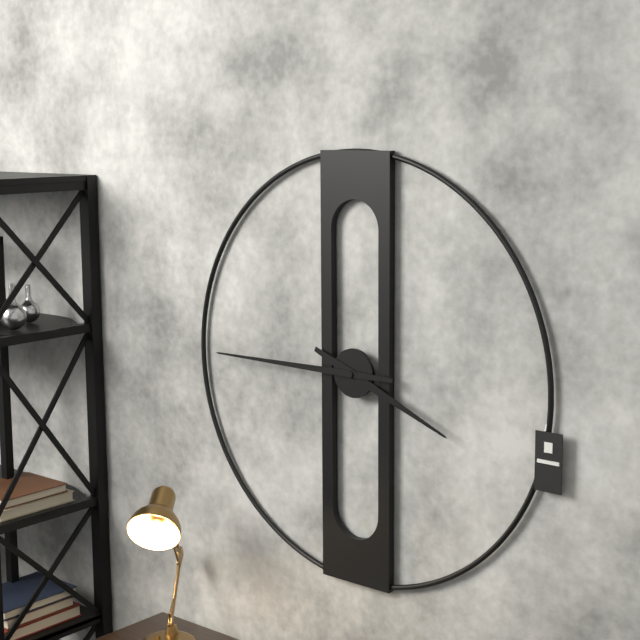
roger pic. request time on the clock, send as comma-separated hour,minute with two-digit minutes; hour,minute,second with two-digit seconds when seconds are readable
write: 3,45
